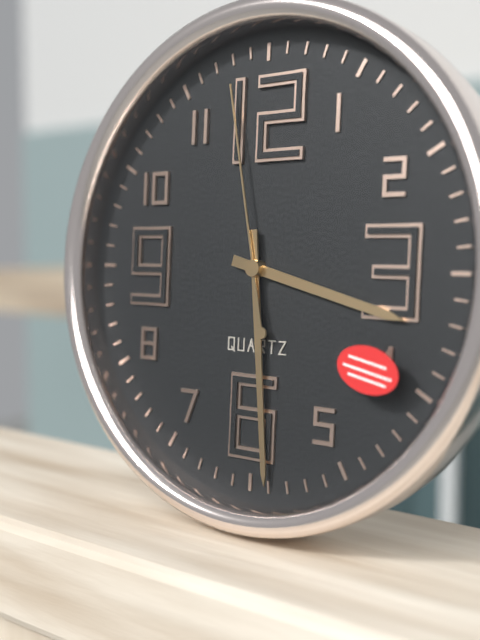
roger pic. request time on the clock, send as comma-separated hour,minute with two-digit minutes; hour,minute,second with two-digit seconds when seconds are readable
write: 3,29,58
